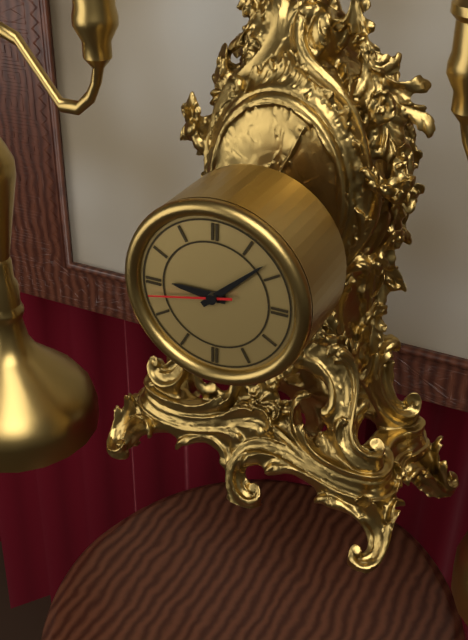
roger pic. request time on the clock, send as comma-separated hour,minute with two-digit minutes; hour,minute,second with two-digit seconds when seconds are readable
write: 9,08,43
